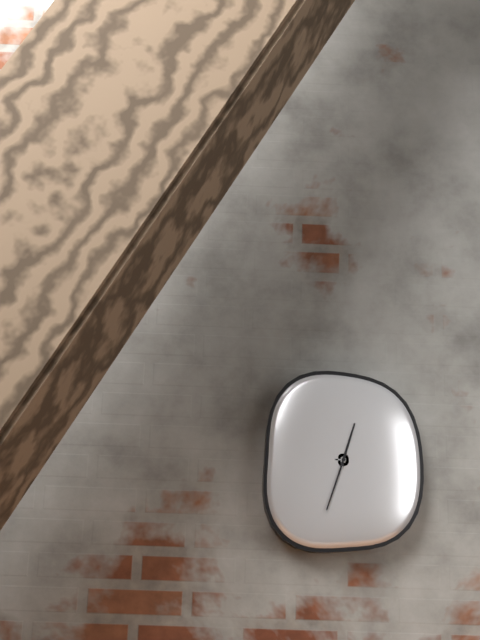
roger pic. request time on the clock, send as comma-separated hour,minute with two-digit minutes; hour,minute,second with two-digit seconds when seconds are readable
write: 12,33
